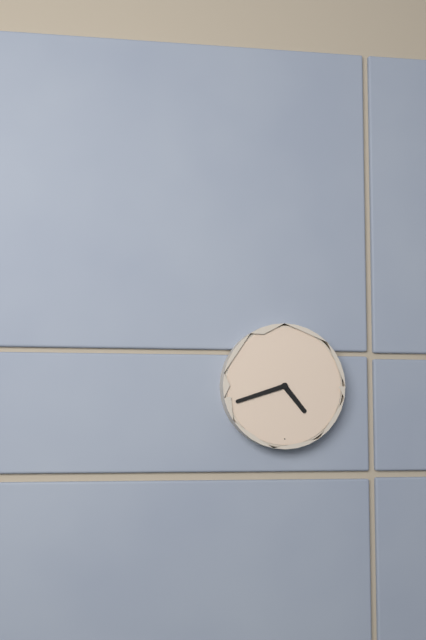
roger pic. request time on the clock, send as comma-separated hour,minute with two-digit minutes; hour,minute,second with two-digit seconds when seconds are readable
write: 4,42
